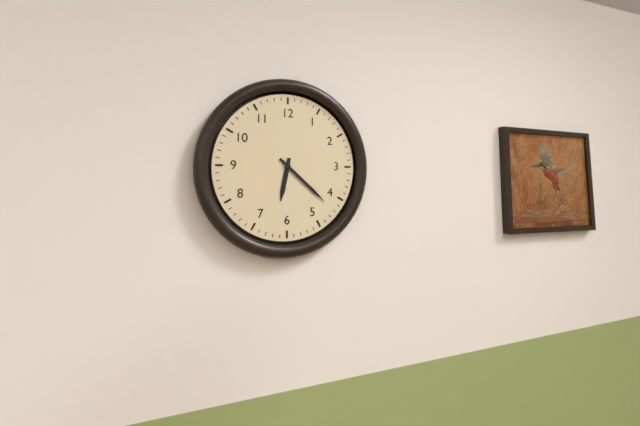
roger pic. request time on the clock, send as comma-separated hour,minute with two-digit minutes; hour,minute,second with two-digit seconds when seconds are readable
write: 6,22
